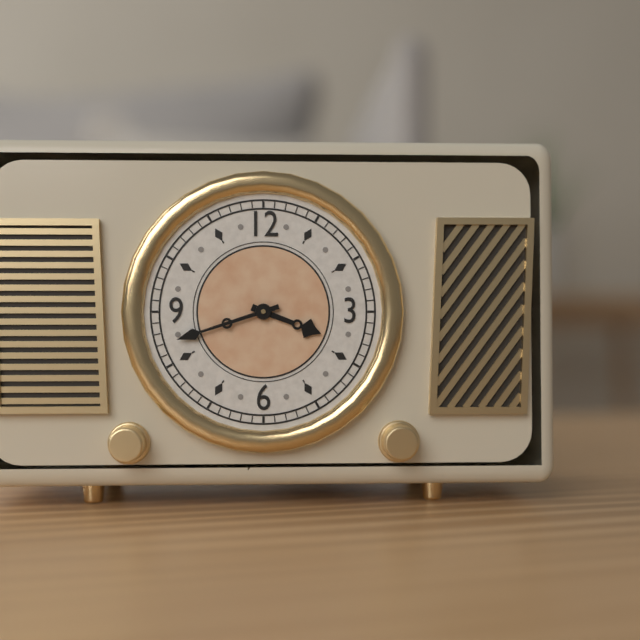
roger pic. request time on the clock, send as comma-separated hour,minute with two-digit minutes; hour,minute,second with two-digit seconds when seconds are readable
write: 3,42
